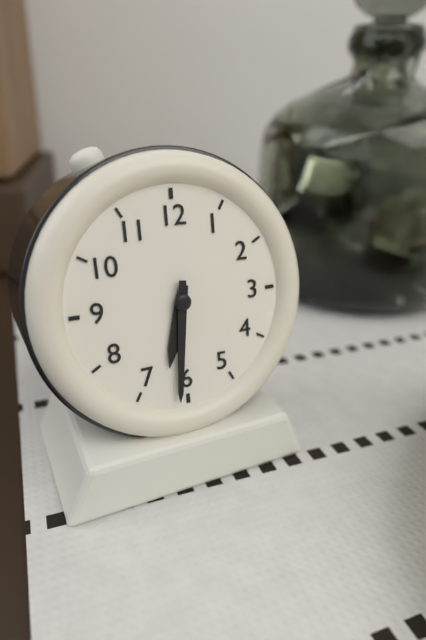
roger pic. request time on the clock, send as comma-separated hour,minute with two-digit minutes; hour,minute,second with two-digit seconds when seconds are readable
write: 6,31
